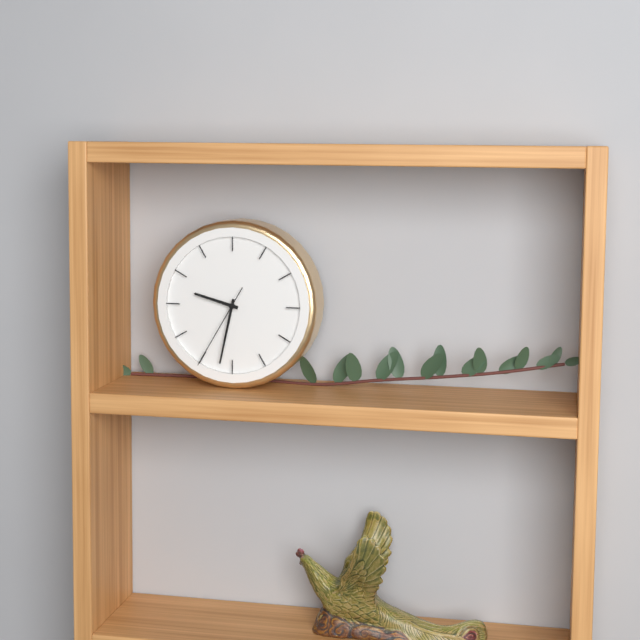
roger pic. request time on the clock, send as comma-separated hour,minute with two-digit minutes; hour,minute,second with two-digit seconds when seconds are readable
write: 9,32,35
